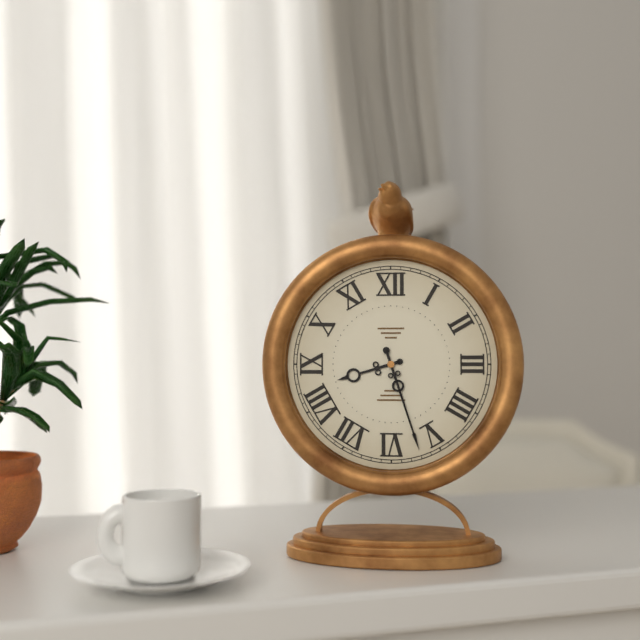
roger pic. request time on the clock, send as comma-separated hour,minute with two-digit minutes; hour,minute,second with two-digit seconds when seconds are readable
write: 8,27
